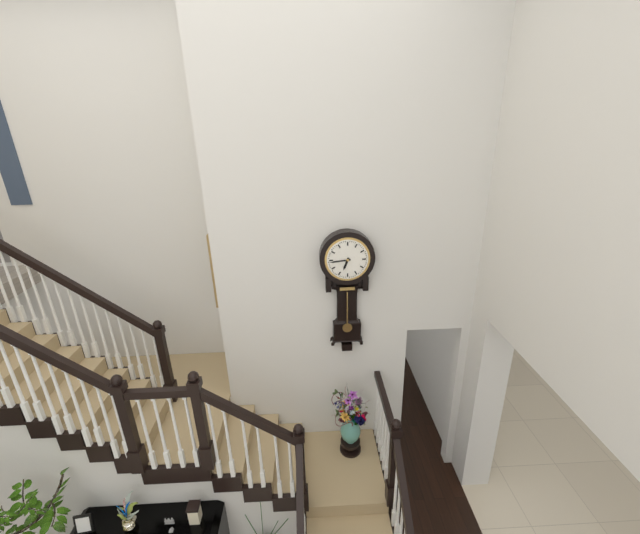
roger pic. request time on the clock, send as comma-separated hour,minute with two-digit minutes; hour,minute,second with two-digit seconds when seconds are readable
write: 6,44
